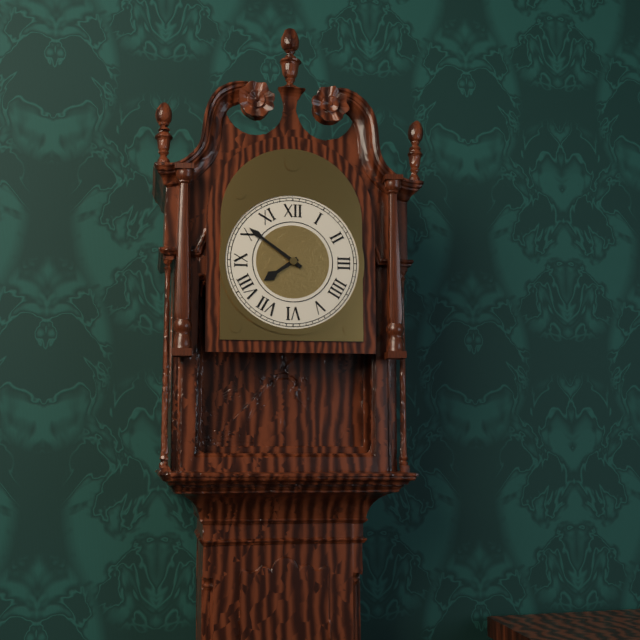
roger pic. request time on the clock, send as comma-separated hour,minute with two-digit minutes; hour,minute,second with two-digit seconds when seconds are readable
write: 7,51
